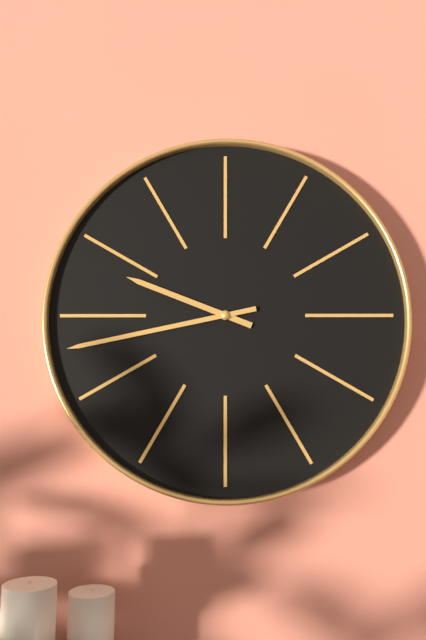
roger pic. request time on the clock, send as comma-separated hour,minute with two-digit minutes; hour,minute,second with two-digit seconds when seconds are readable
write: 9,43
